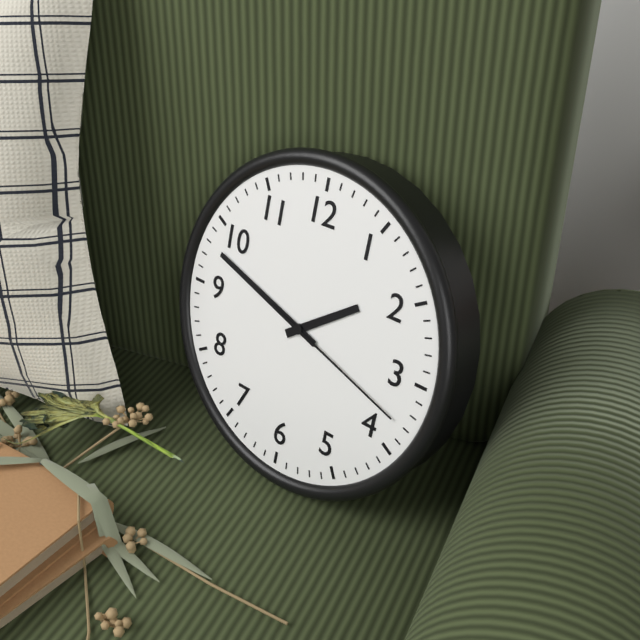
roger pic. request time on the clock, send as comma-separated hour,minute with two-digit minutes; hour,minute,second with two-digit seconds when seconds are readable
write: 1,48,18
